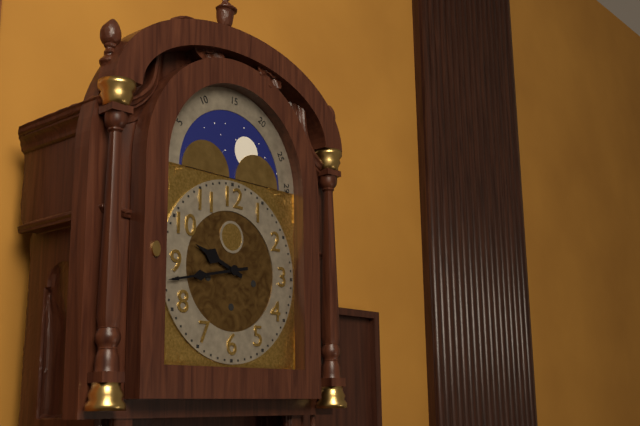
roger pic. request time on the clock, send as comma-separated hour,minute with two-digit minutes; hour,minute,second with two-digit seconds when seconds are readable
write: 9,43
